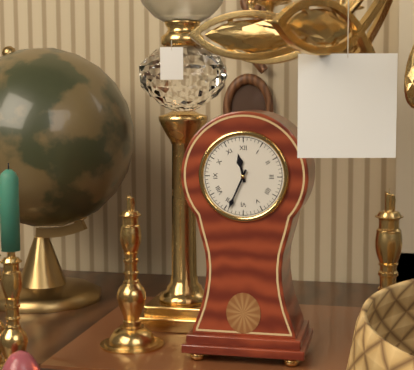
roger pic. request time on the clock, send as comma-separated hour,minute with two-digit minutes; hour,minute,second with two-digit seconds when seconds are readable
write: 11,34
